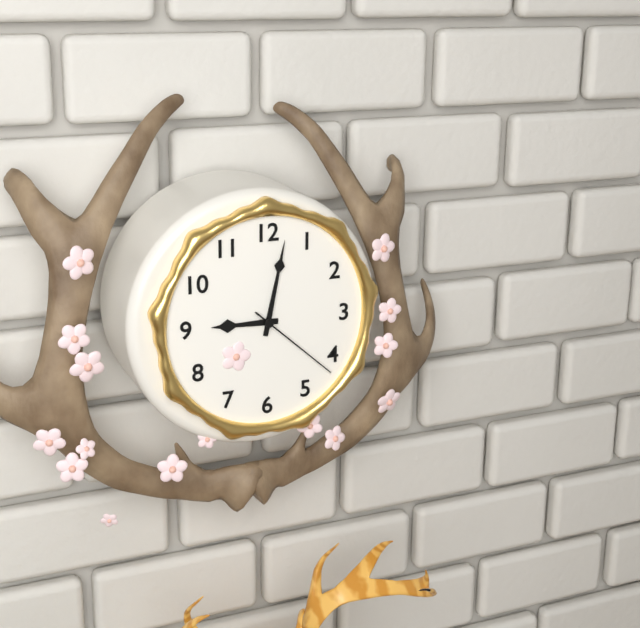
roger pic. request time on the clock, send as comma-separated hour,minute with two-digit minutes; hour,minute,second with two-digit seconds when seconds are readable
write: 9,02,22
